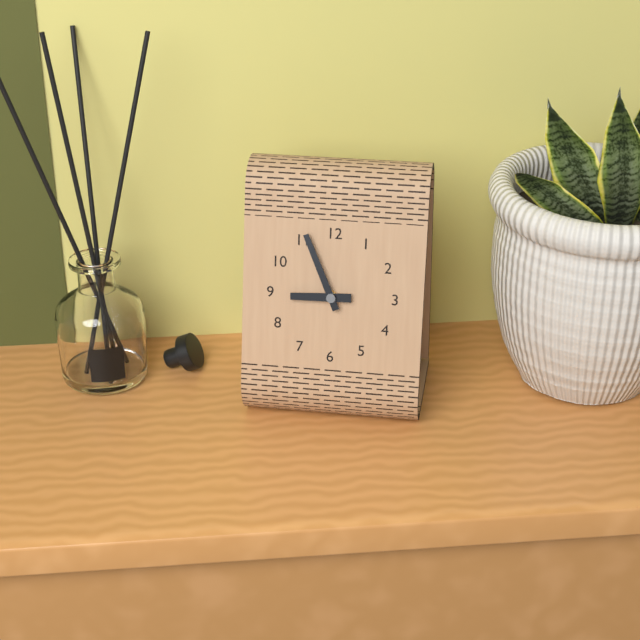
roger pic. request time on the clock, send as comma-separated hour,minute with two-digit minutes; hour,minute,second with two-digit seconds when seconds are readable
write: 8,56
